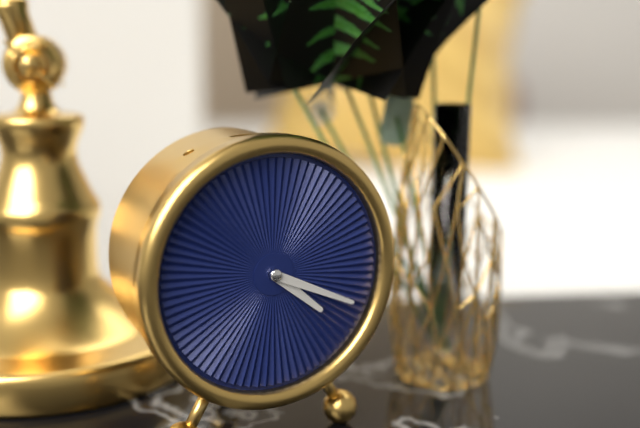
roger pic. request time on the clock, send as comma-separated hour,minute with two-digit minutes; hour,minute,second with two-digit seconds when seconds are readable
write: 4,19
